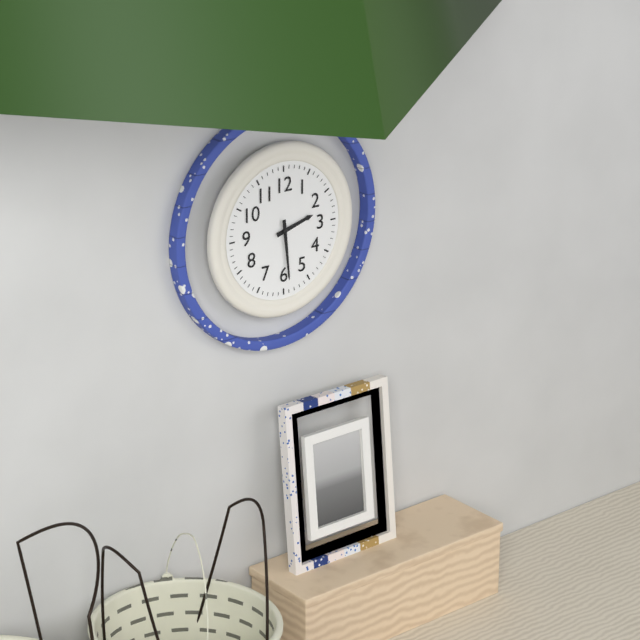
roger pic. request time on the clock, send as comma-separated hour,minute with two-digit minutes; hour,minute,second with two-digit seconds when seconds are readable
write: 2,29
